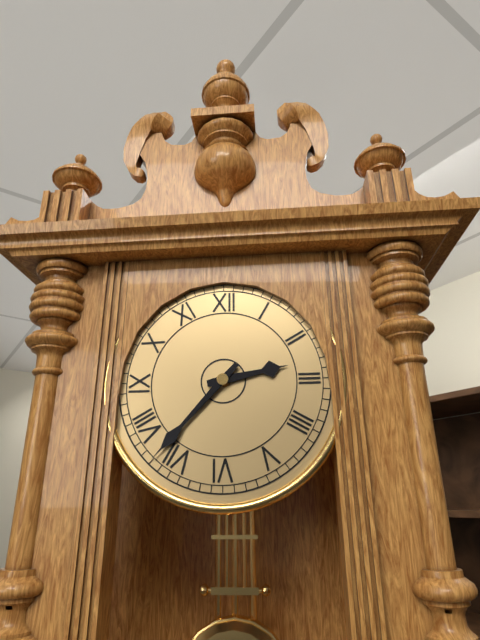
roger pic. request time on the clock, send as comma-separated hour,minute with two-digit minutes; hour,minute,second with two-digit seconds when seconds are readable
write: 2,37
